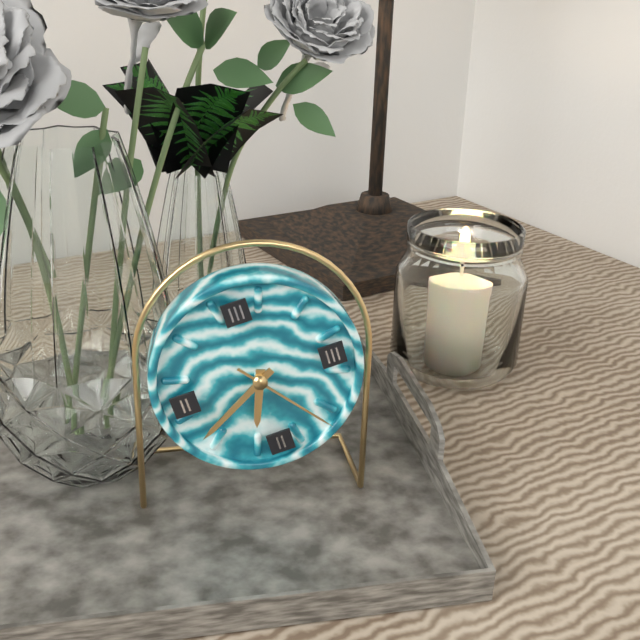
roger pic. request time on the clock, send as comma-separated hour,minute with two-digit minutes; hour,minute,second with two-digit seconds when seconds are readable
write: 6,40,24
